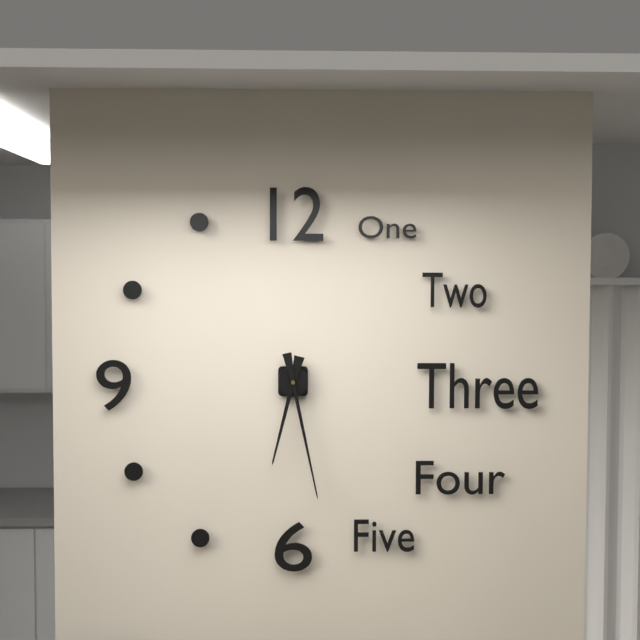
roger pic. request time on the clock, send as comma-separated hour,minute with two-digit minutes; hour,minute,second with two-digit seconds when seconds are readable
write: 6,28
